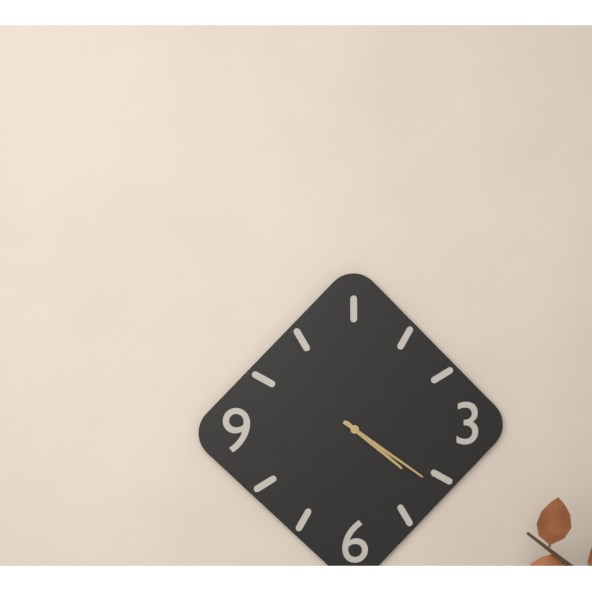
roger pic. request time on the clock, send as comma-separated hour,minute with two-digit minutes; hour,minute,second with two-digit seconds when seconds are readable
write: 4,21
